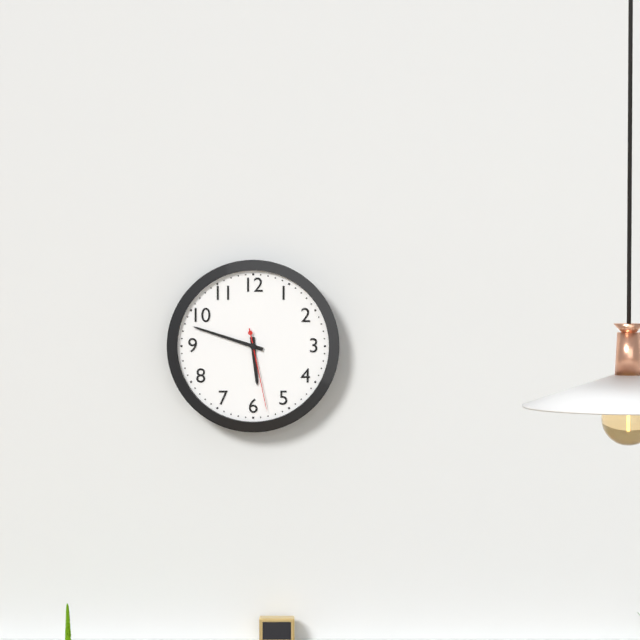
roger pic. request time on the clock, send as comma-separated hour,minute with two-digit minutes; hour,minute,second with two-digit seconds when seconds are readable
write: 5,48,28
